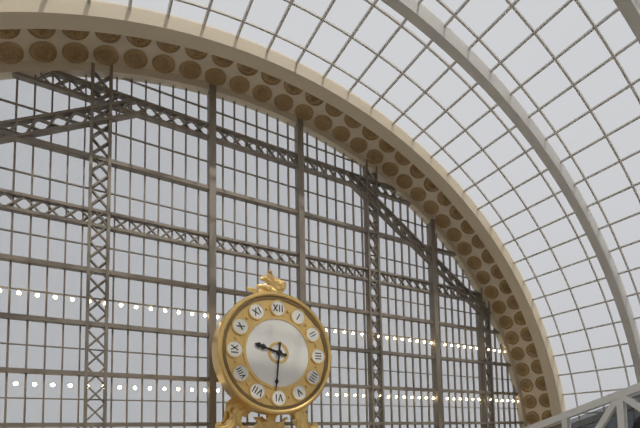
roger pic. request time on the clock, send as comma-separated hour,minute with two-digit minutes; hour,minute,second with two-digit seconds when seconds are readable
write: 9,31
